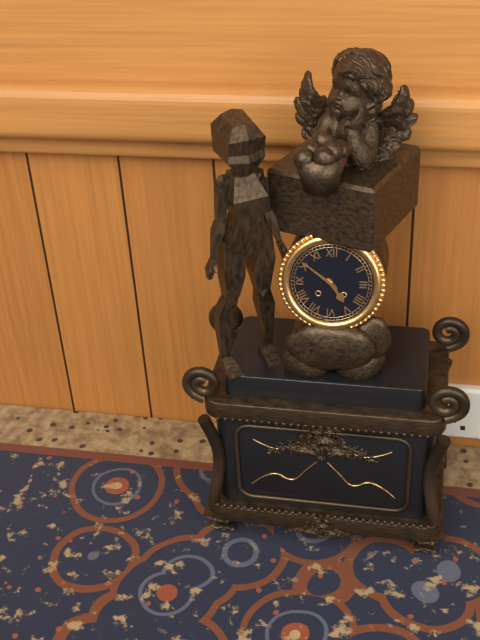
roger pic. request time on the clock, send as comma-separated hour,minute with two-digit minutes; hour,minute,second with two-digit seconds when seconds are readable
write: 4,51
